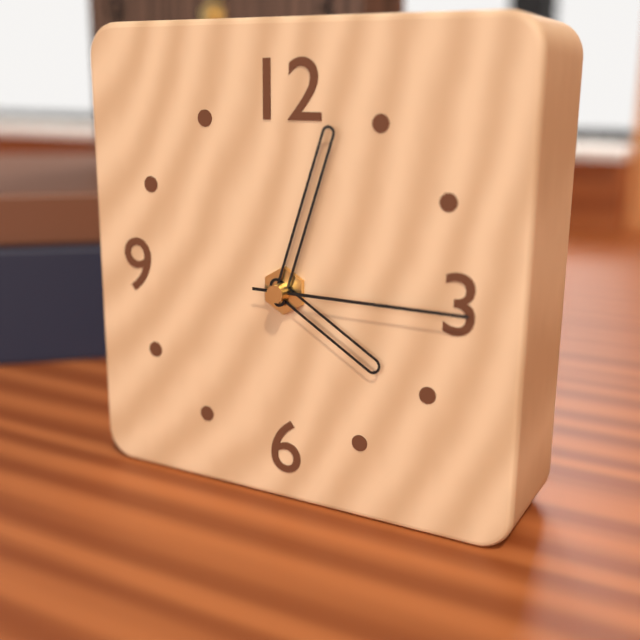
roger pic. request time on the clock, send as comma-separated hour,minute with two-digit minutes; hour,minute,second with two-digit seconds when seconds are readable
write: 4,03,15
